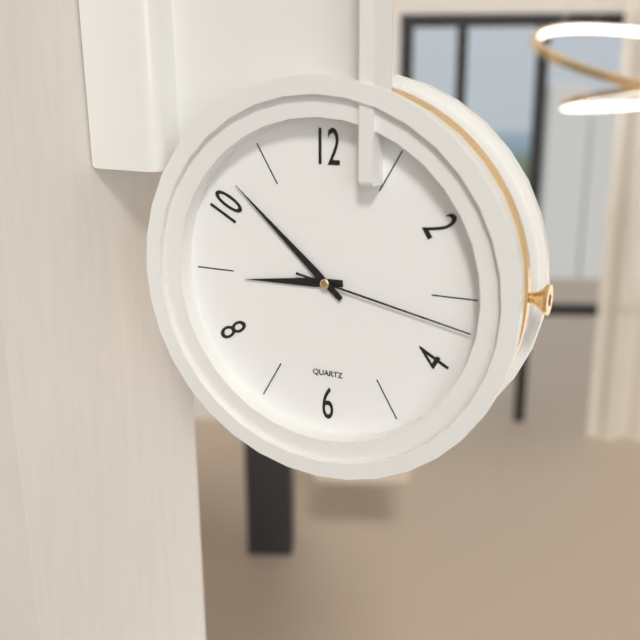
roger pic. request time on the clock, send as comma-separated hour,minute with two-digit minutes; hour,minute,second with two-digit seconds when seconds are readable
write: 8,52,17
